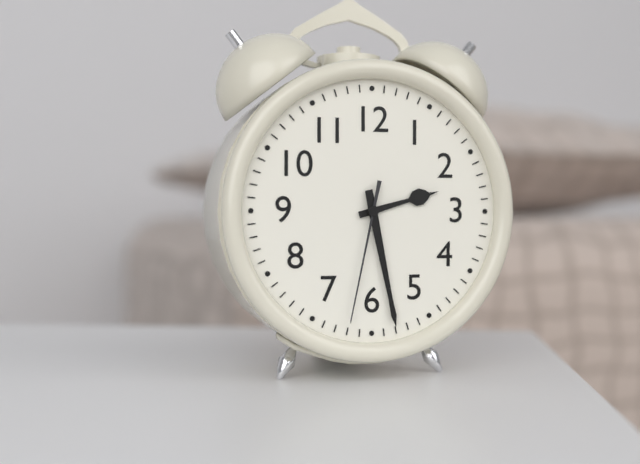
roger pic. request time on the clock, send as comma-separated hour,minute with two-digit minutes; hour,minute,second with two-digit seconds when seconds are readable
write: 2,28,32
